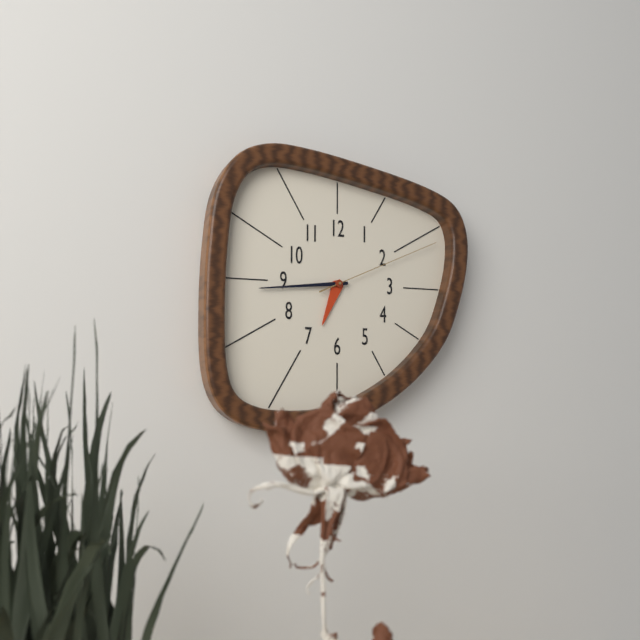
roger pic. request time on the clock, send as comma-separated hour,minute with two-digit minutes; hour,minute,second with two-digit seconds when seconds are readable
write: 6,44,11
